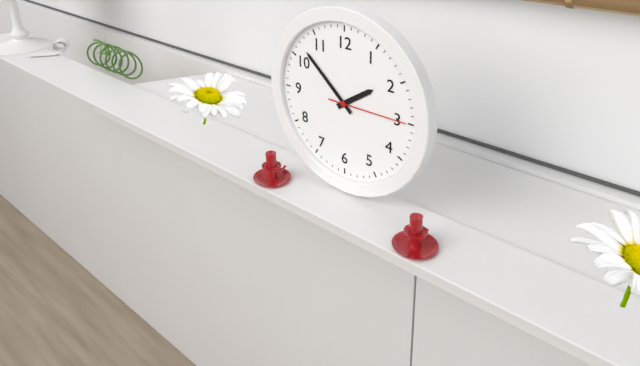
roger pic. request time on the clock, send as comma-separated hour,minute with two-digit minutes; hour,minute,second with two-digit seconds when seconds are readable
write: 1,52,15
